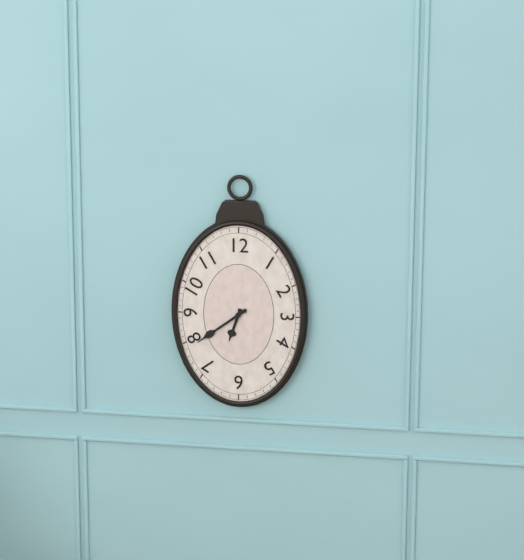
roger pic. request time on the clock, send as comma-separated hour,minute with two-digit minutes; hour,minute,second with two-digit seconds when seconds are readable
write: 6,39
